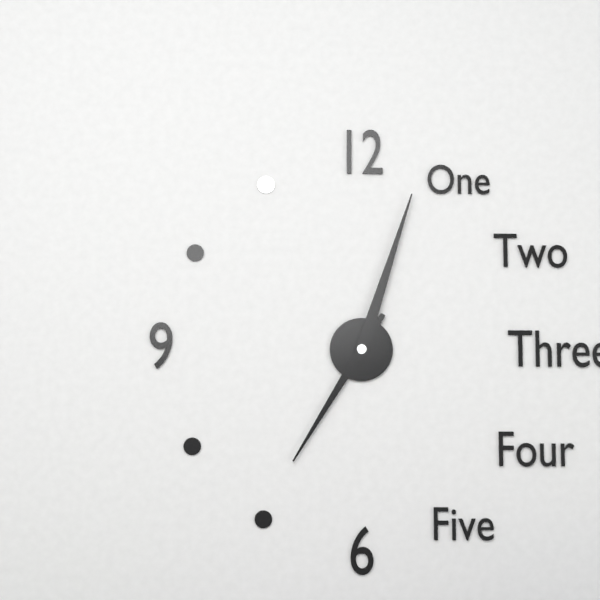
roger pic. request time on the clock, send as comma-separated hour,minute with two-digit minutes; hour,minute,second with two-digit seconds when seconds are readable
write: 7,03
